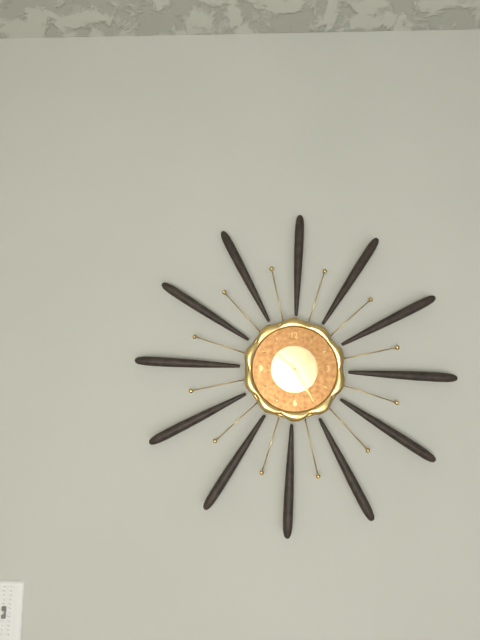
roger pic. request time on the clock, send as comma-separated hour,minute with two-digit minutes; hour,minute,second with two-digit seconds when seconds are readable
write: 10,25
